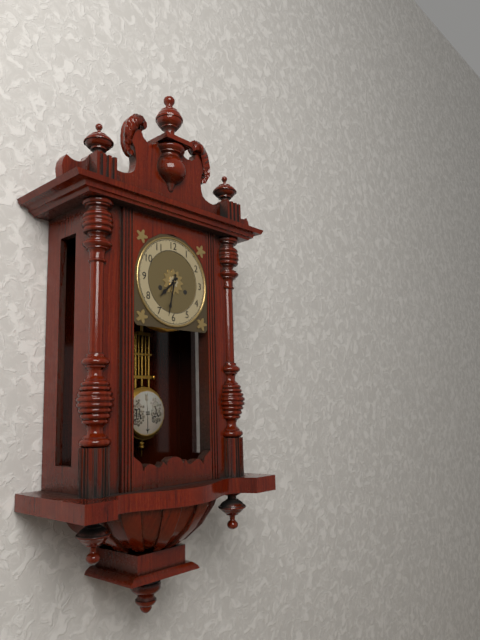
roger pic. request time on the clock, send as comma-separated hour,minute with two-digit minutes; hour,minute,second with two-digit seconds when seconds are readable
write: 7,32
